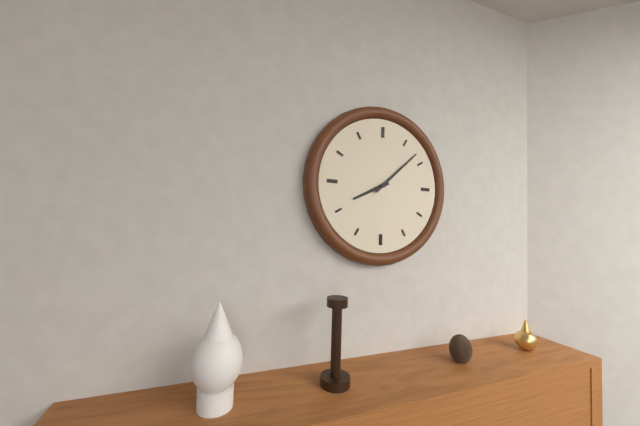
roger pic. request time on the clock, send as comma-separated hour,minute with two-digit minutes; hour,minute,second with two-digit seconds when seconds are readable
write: 8,08
